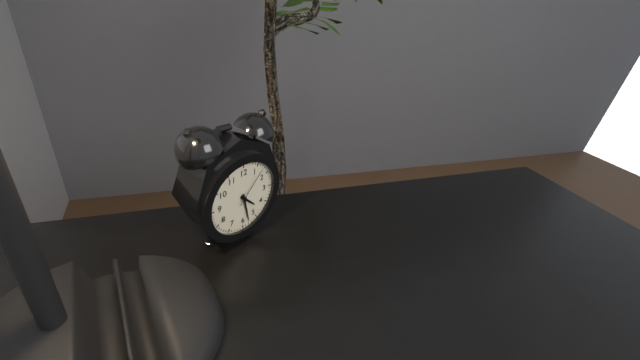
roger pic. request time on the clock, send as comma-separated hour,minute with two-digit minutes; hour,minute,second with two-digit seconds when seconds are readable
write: 4,28
